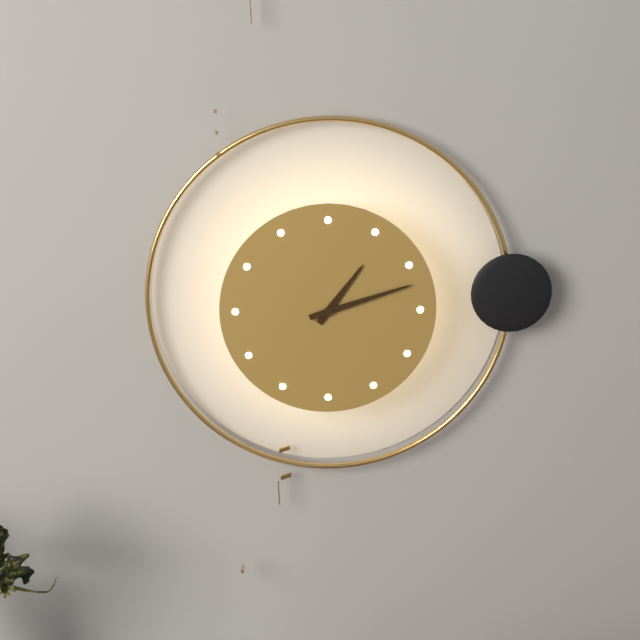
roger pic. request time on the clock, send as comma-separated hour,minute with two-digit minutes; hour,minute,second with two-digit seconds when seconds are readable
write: 1,12
